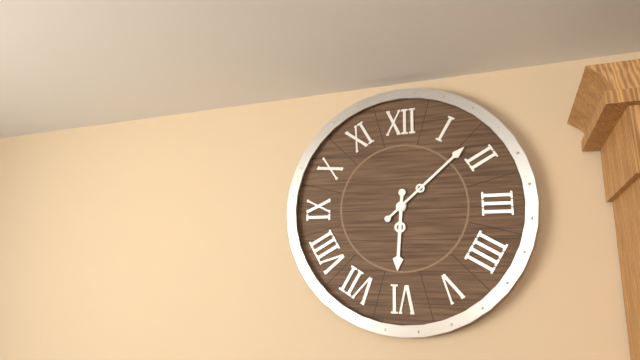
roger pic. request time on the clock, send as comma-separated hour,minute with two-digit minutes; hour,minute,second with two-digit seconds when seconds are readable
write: 6,08
